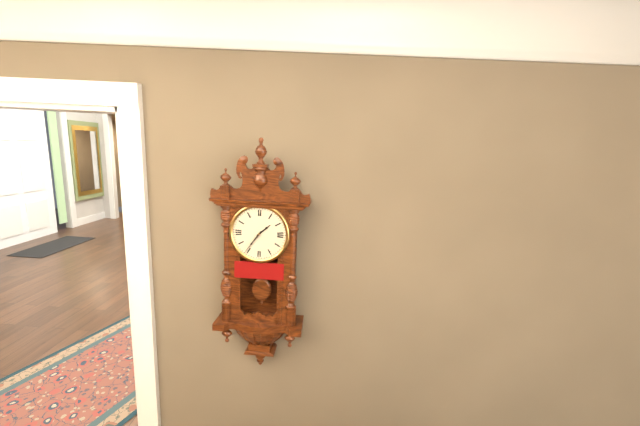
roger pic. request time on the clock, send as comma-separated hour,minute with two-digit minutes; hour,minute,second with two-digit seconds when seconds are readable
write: 1,36
